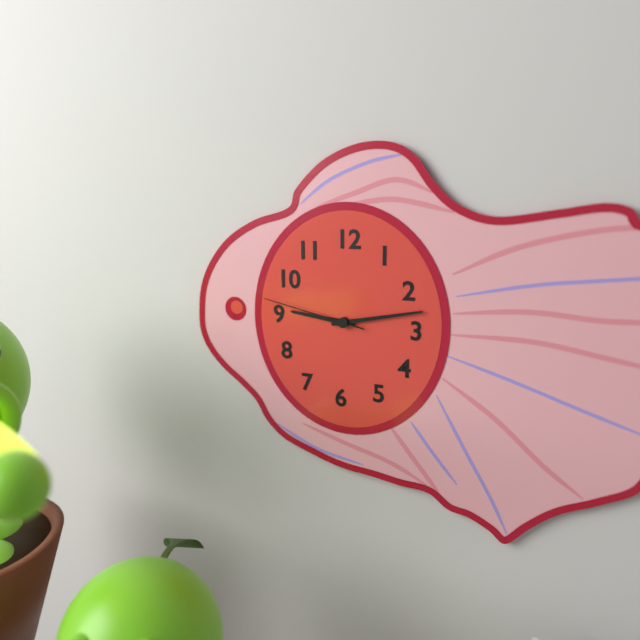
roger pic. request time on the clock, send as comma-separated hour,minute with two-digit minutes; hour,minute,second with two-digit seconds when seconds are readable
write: 9,13,47
